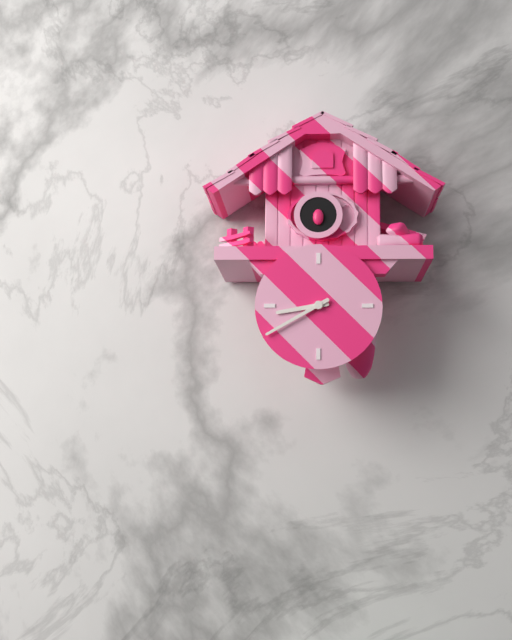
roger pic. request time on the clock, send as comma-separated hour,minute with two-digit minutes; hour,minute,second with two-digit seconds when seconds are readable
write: 8,40
